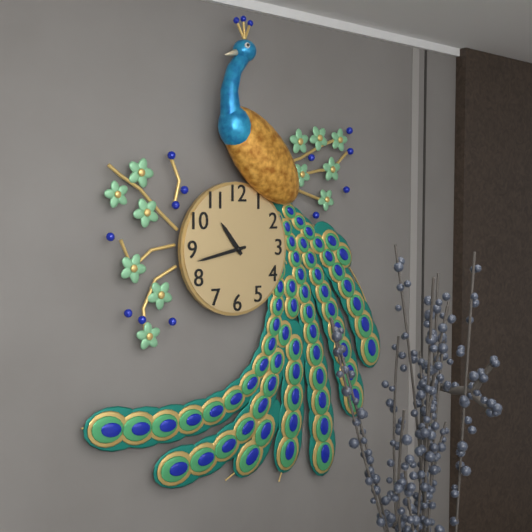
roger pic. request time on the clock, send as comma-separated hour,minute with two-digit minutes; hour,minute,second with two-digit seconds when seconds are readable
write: 10,43
